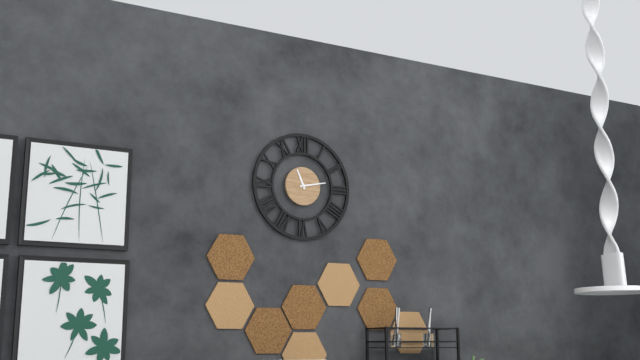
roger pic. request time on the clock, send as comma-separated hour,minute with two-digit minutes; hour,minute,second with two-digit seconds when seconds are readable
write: 11,13
